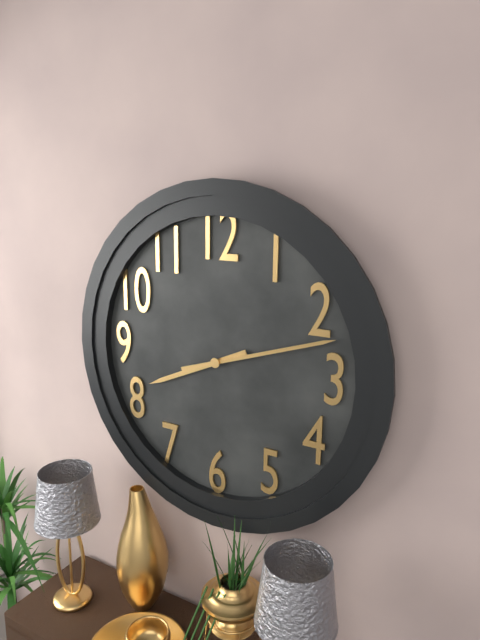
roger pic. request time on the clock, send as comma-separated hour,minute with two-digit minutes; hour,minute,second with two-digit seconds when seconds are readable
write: 8,12
